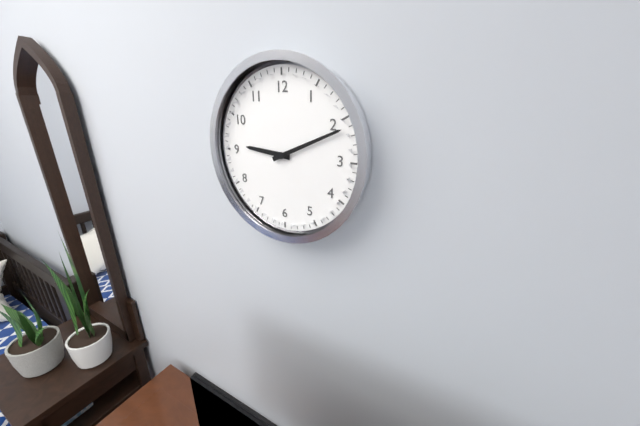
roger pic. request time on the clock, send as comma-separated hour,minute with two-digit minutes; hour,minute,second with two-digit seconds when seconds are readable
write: 9,11
